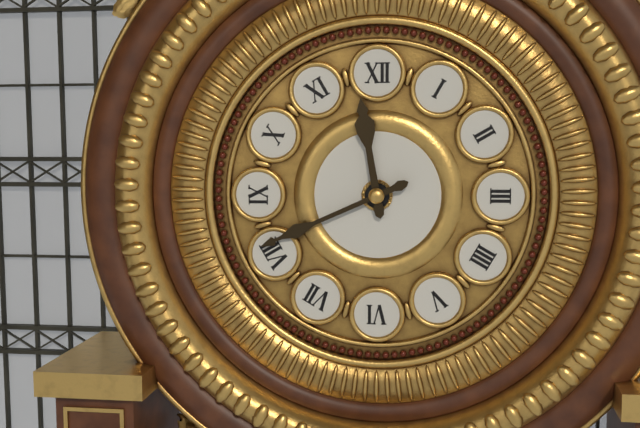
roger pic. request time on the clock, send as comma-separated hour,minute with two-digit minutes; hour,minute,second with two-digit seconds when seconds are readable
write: 11,41
